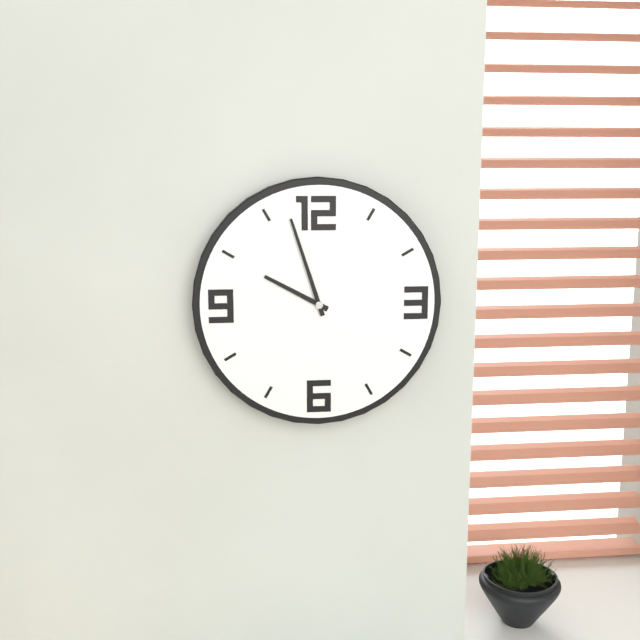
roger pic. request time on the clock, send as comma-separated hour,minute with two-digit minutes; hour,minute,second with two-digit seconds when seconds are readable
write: 9,57
